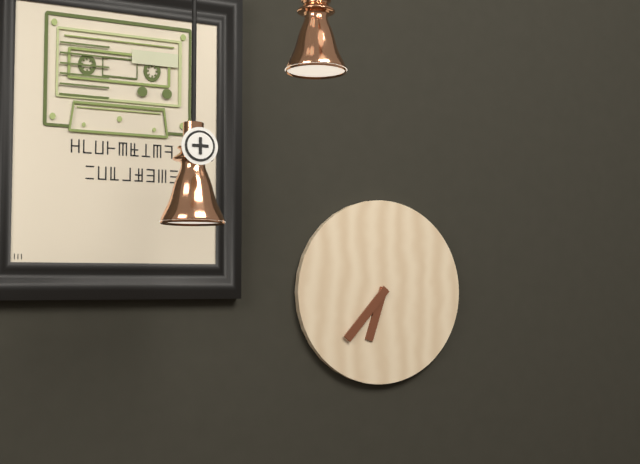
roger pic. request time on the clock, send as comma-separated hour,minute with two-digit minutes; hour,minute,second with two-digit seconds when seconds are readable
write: 6,37
